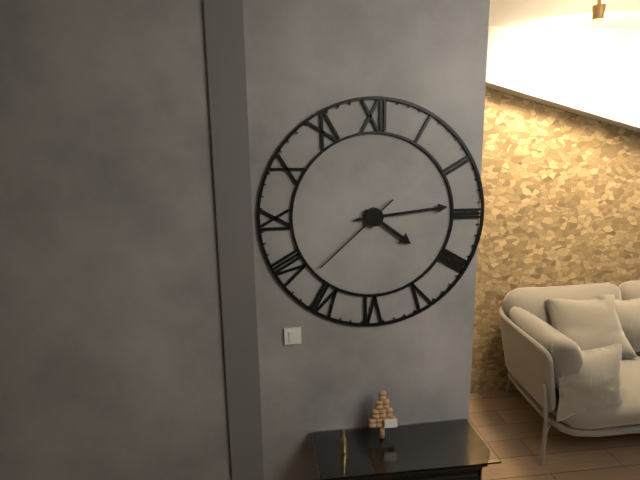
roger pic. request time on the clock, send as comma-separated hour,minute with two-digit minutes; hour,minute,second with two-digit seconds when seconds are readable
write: 4,14,38
